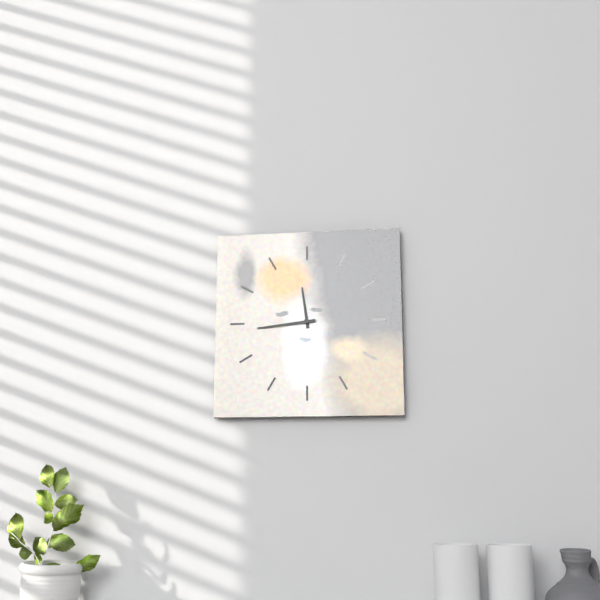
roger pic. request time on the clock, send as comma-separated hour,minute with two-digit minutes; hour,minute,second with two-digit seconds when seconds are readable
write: 11,44
